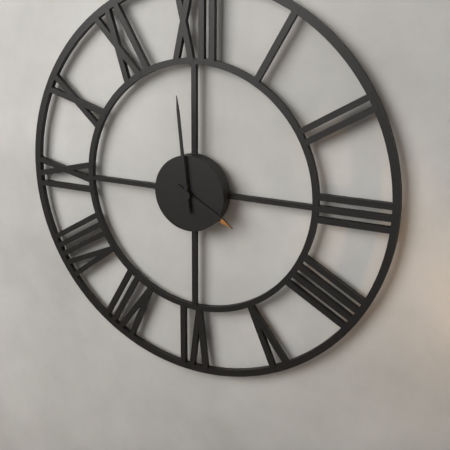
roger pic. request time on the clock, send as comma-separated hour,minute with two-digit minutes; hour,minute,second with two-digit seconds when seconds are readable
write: 3,59
